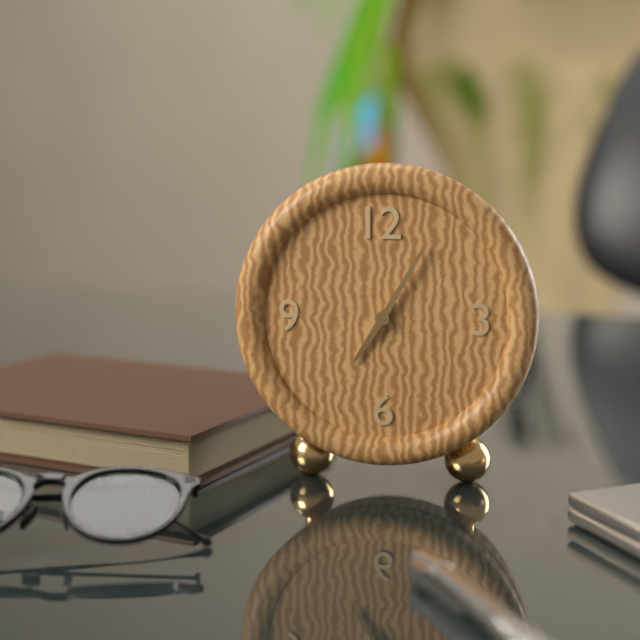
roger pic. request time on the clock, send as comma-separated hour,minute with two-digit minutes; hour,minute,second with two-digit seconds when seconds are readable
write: 7,05
